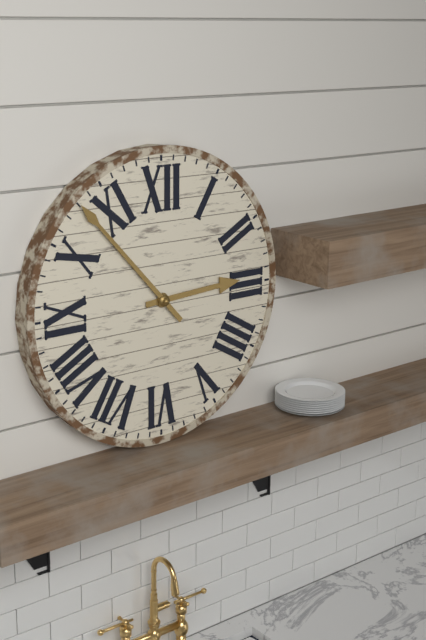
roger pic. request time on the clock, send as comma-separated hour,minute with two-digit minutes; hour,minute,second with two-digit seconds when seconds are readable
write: 2,53
